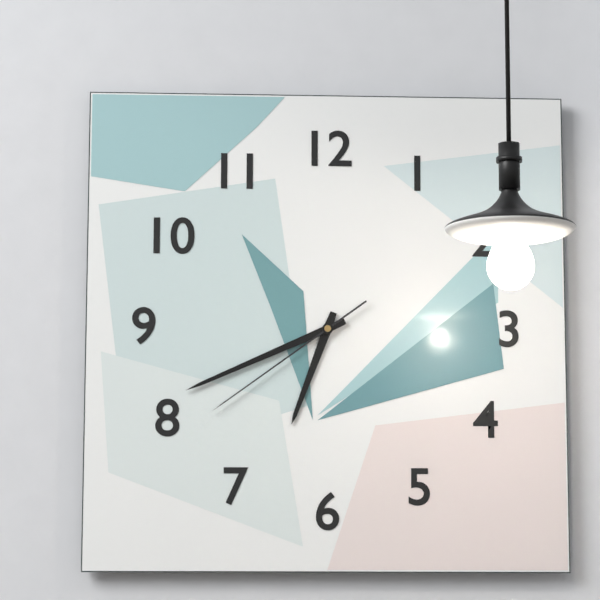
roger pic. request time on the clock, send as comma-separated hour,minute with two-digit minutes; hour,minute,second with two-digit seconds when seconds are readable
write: 6,41,39
